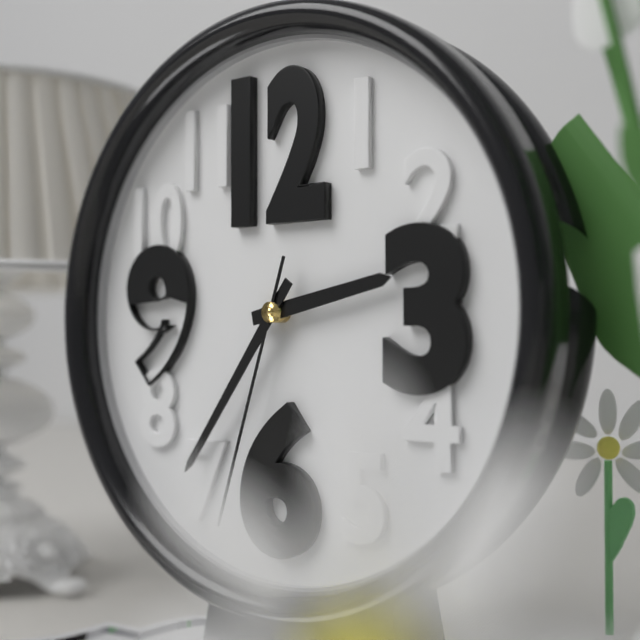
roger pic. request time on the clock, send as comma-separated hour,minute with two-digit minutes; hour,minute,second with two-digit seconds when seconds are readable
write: 2,36,33
